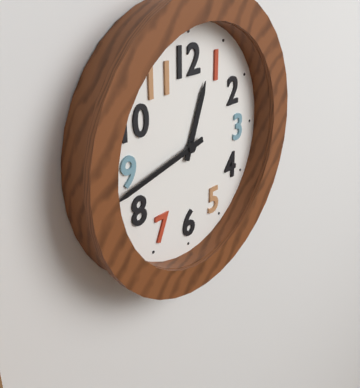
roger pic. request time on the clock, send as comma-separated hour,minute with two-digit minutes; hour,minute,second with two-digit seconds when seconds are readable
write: 12,43
